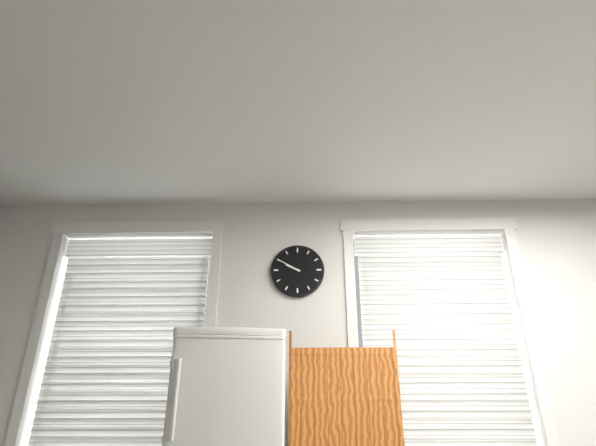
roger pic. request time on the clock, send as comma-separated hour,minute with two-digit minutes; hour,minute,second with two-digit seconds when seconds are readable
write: 9,50
